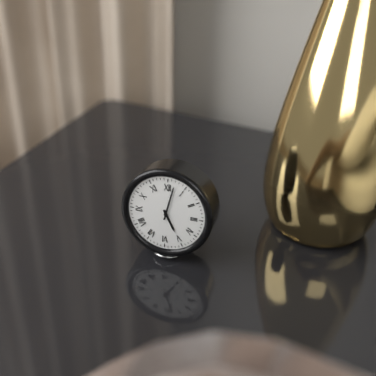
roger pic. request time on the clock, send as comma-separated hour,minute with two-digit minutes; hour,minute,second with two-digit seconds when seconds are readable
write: 5,02
